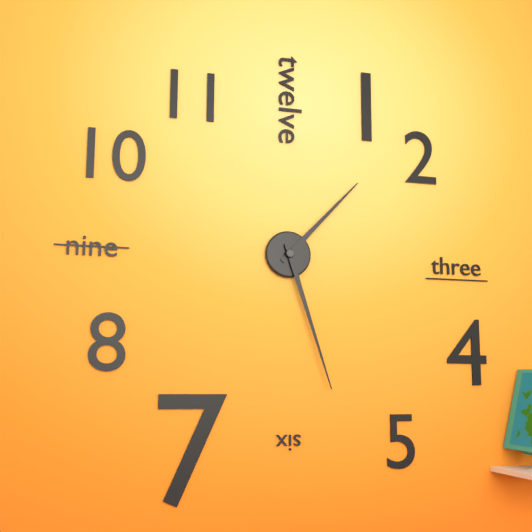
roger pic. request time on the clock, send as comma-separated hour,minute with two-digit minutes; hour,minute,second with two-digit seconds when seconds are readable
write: 1,27
